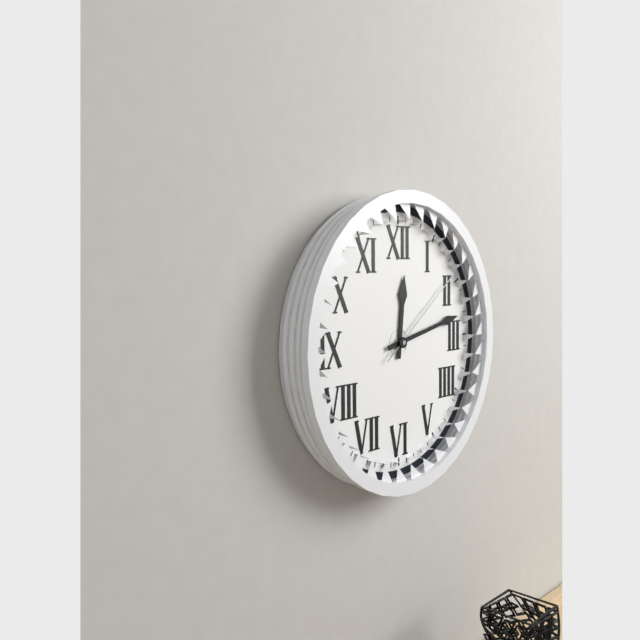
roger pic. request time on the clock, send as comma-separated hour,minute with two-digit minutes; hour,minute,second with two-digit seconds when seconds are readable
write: 12,13,09
